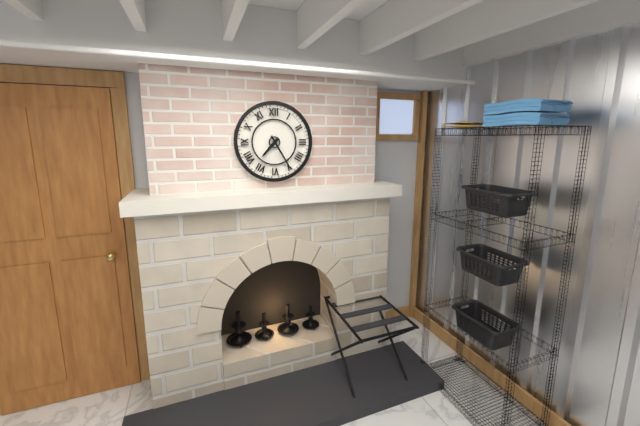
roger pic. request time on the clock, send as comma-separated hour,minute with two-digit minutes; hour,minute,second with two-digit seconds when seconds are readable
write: 7,25
